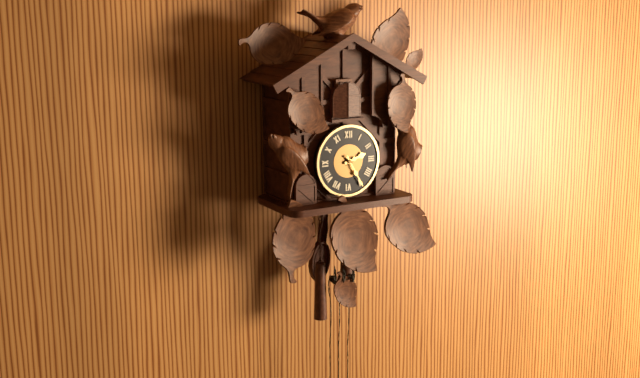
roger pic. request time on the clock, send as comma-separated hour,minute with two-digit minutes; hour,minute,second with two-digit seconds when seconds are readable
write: 2,25
